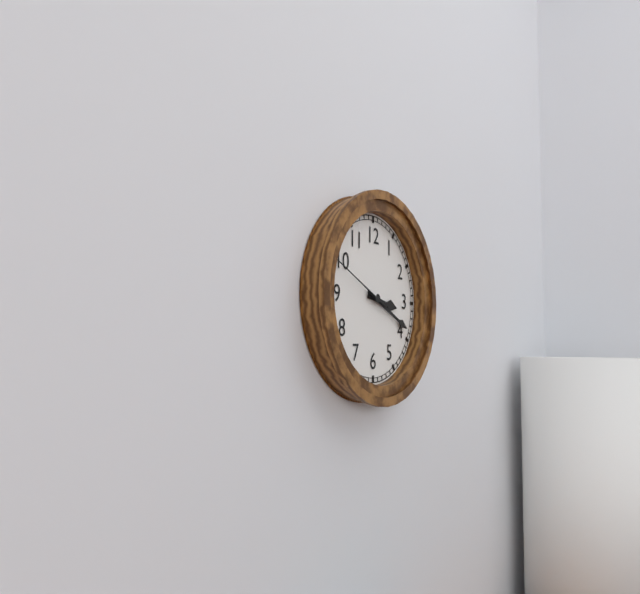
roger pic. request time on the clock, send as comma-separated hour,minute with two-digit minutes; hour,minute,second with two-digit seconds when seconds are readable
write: 3,19,49
